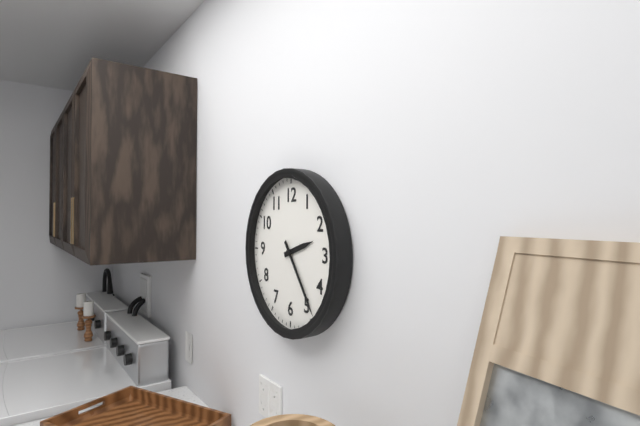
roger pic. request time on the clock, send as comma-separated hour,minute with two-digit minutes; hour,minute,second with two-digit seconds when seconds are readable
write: 2,24
